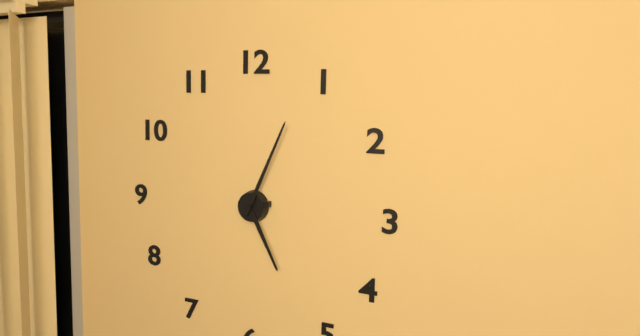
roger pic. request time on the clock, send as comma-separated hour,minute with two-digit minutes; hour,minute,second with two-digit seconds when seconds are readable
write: 5,04
